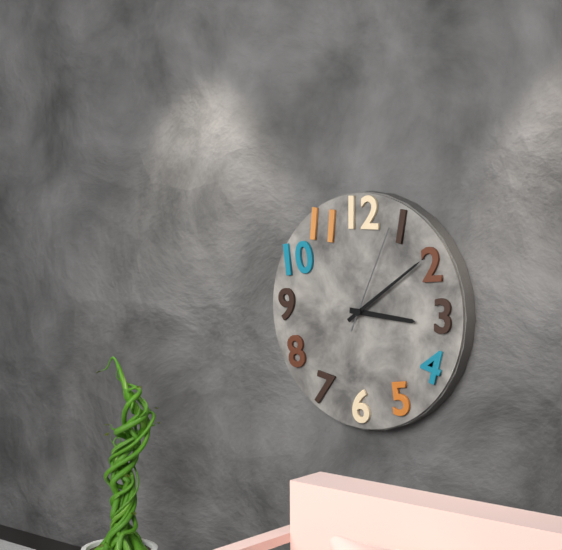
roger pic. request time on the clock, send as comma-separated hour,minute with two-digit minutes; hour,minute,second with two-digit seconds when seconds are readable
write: 3,09,04
